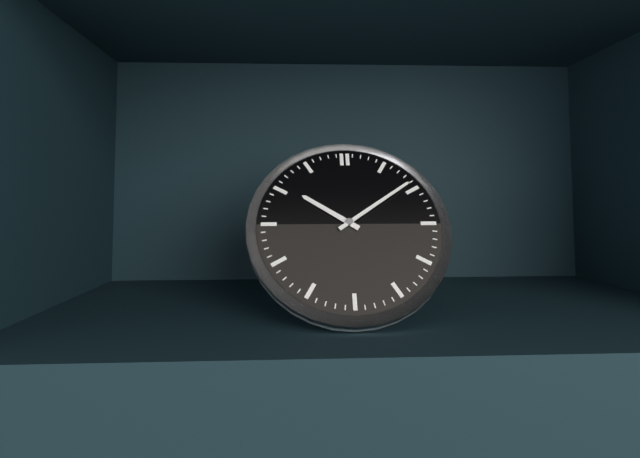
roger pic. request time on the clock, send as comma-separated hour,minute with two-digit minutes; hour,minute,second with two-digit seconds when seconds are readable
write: 10,09
